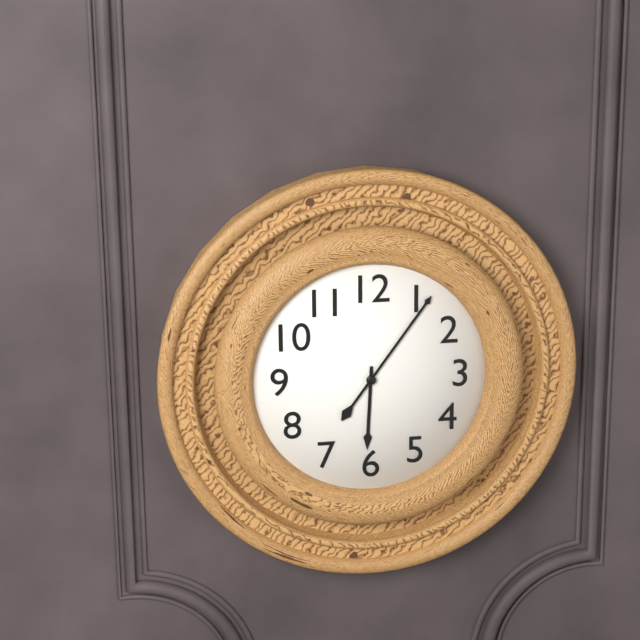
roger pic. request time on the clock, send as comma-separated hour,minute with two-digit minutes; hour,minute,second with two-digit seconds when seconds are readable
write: 6,06
